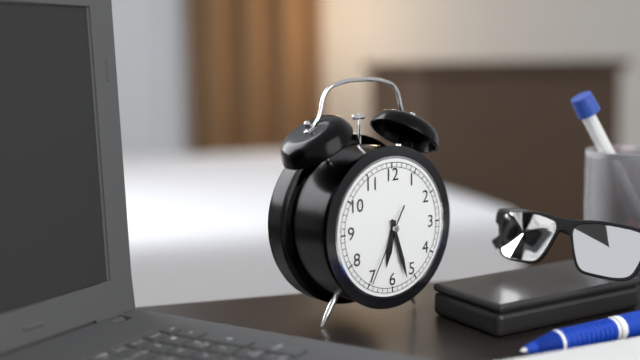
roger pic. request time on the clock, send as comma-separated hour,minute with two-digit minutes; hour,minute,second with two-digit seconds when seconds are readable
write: 6,27,35
